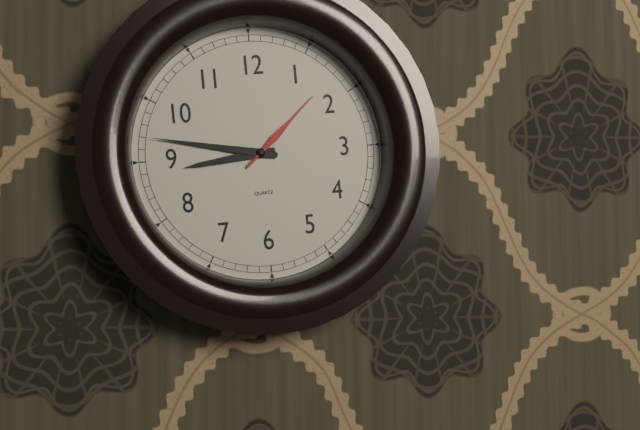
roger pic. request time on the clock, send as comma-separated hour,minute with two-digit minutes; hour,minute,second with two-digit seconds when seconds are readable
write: 8,47,08
